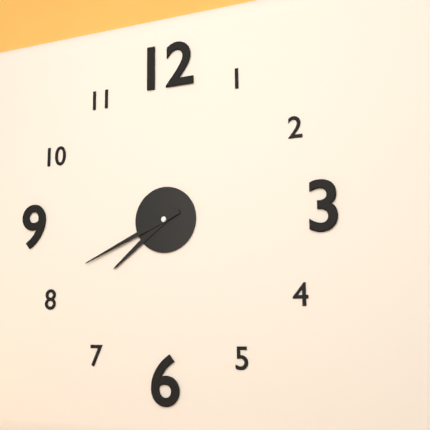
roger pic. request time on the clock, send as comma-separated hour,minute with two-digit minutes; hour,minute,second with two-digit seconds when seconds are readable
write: 7,41
